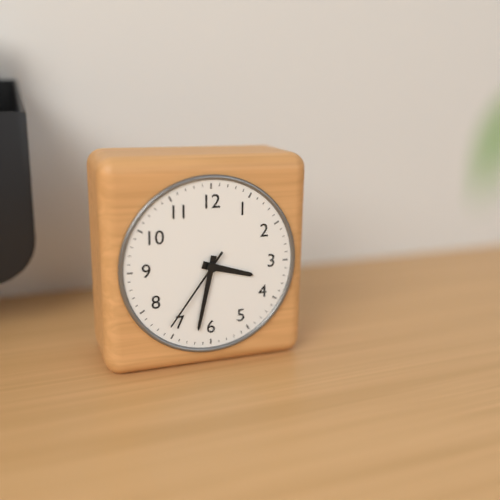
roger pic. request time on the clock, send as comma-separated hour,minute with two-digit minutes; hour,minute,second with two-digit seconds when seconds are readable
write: 3,32,36
